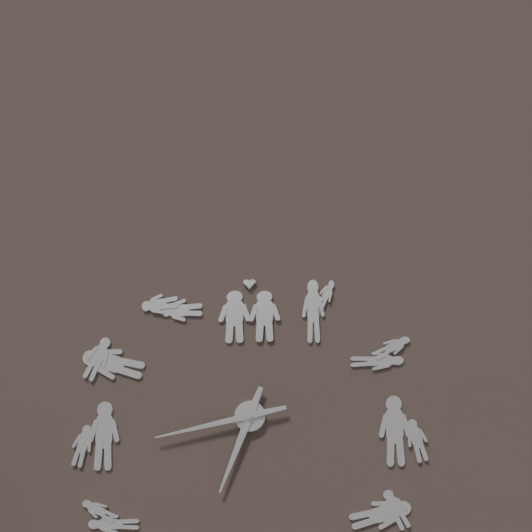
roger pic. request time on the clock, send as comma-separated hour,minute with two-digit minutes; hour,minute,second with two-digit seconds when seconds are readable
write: 6,43
